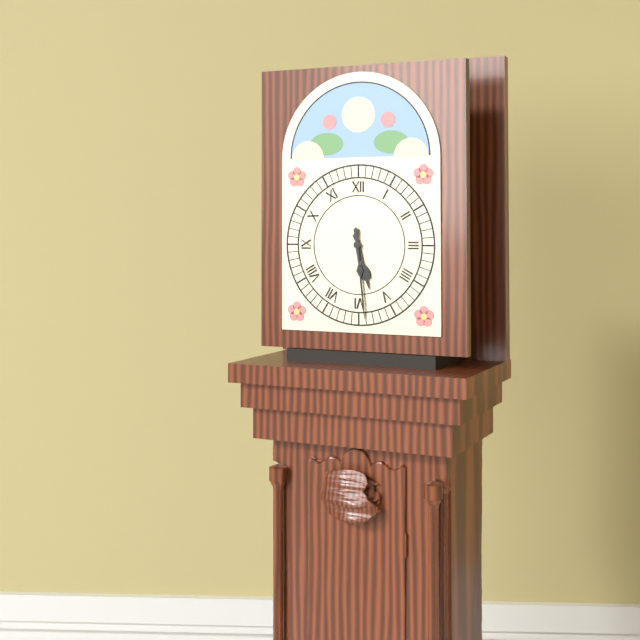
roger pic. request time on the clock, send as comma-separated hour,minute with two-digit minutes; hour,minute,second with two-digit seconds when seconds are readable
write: 5,29
